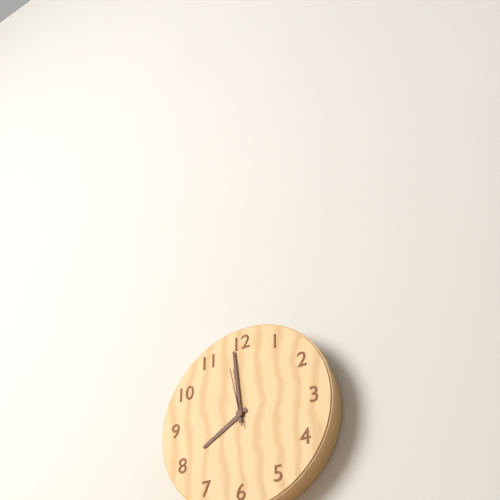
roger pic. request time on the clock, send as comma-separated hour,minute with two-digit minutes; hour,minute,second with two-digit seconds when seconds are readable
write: 7,59,58
